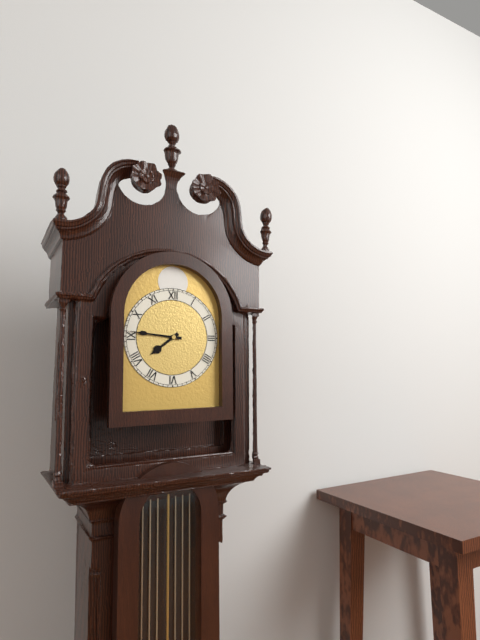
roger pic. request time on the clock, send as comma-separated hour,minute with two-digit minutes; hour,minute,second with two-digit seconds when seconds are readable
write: 7,46
